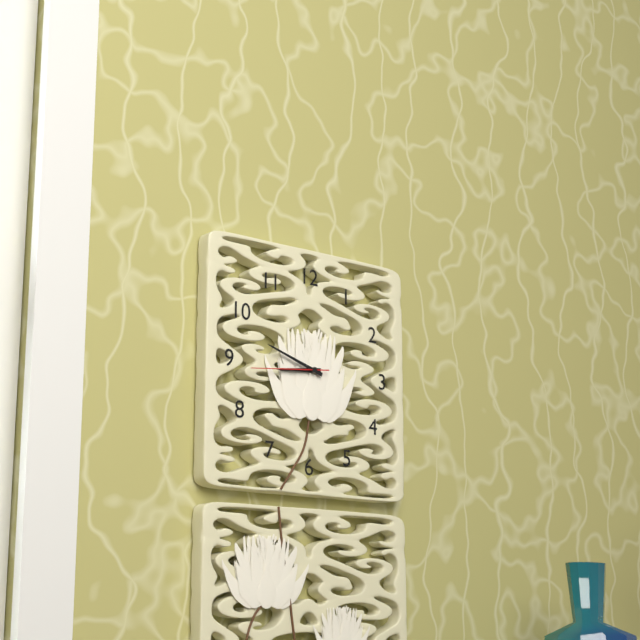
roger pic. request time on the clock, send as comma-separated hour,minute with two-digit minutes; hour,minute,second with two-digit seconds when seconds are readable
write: 8,48,44
